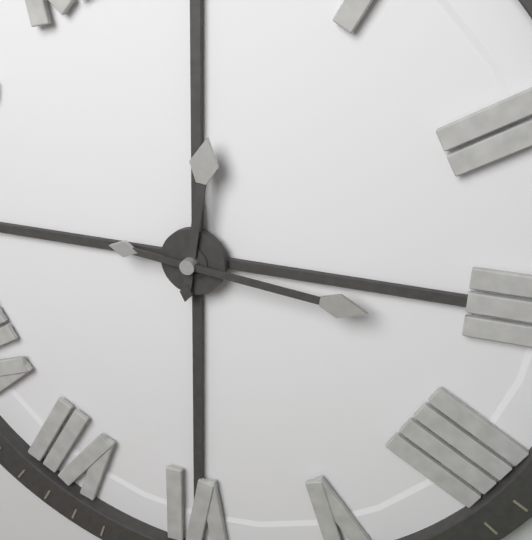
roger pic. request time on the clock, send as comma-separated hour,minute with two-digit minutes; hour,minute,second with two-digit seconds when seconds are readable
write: 12,16
